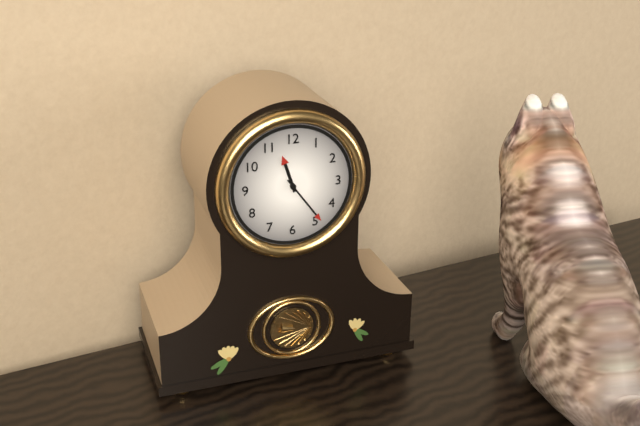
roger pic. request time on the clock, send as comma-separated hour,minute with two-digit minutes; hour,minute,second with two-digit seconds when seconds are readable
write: 11,24
